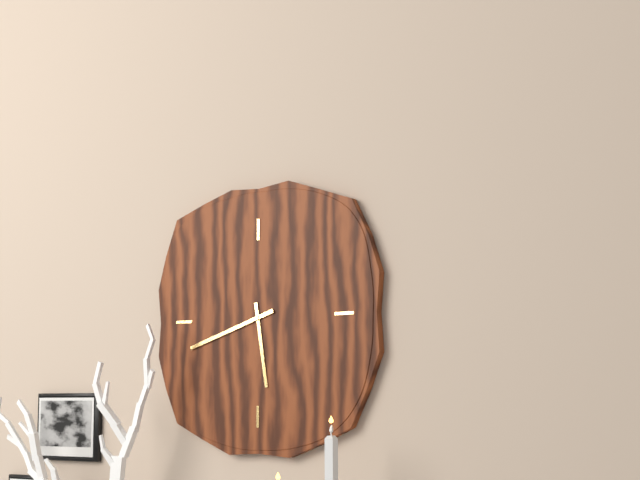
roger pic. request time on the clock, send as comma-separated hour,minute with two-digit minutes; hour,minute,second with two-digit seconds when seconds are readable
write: 5,42
